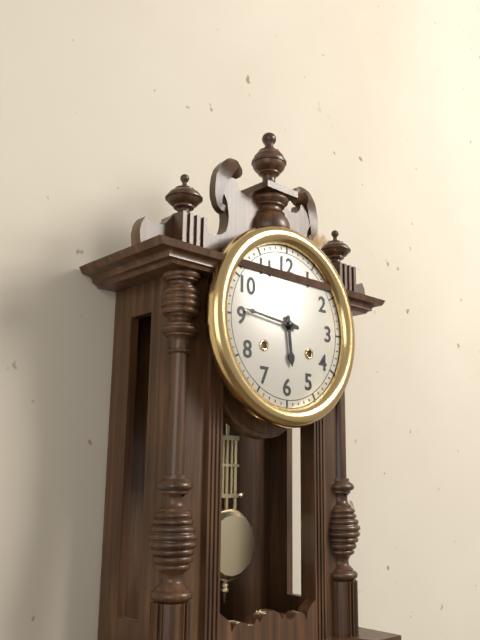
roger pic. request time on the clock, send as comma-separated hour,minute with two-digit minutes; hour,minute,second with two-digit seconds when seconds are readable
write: 5,46
